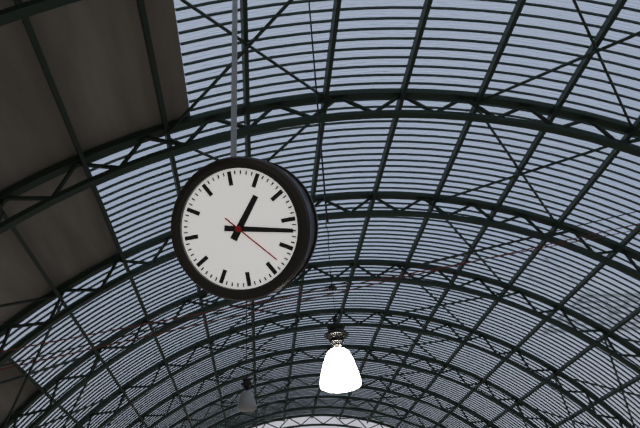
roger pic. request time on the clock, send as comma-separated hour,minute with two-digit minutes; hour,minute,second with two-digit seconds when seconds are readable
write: 1,17,23
